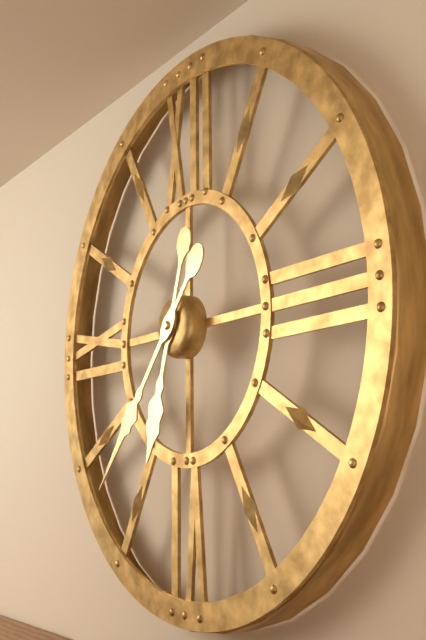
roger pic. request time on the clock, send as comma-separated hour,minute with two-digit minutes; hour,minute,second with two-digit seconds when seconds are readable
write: 6,37
